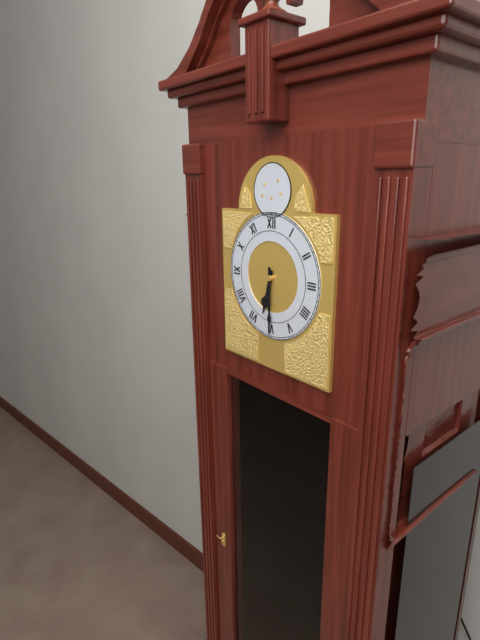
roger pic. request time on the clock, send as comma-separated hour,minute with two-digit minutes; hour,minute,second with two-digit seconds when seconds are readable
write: 6,30
